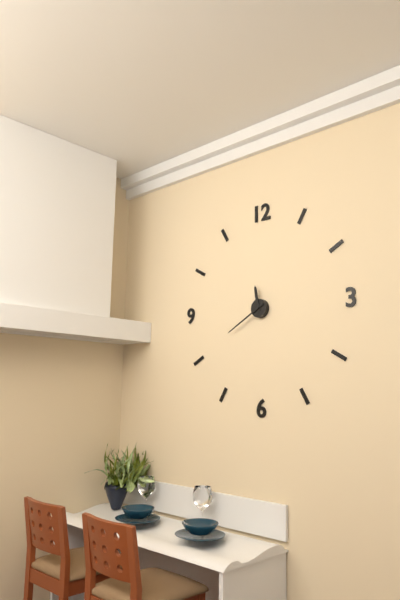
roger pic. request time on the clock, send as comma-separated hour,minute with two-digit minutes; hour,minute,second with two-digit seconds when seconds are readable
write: 11,40
